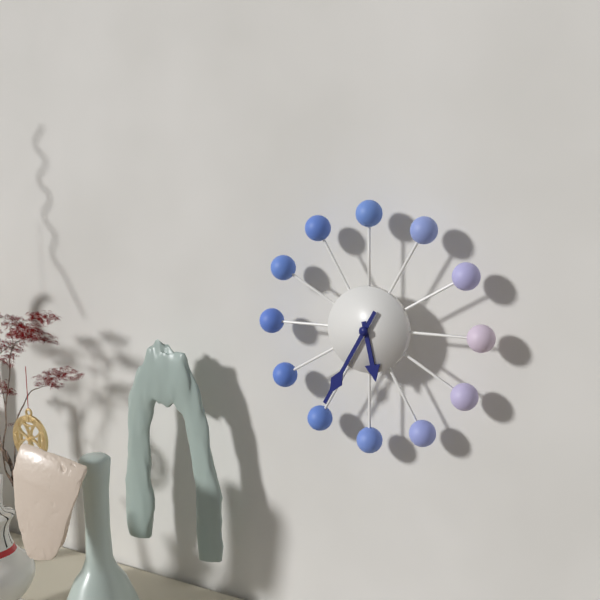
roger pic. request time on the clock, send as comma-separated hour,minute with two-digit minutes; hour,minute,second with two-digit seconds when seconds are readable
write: 5,35
